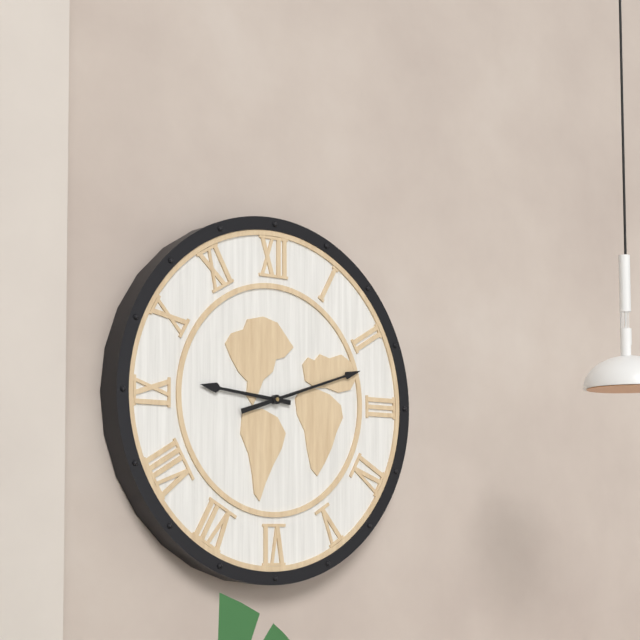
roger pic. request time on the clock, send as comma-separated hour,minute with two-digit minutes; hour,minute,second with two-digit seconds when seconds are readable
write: 9,12
